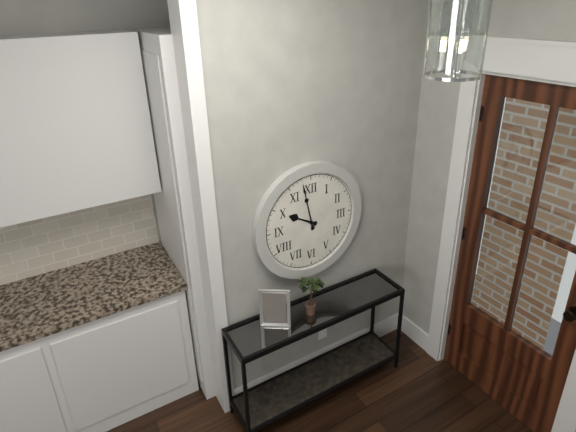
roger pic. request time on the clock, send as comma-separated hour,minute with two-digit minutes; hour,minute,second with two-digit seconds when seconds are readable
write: 9,58
